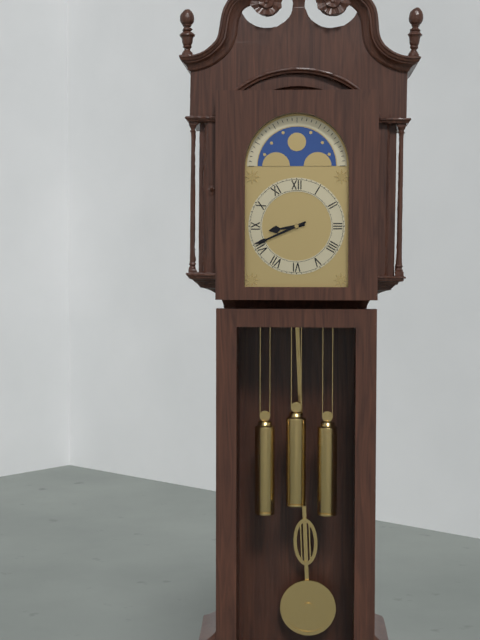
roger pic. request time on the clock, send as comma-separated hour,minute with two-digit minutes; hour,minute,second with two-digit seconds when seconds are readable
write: 8,41
